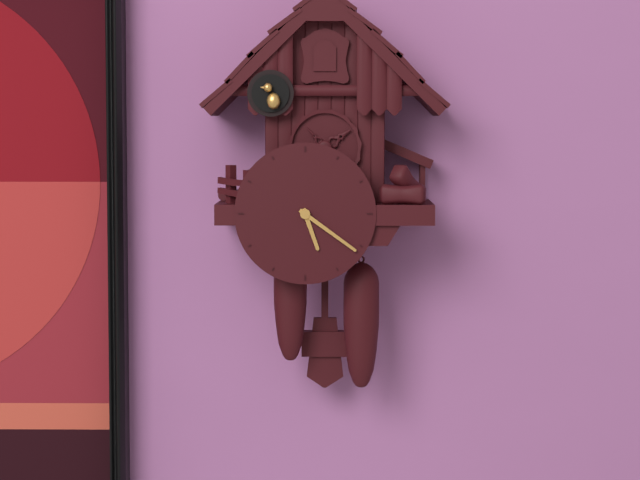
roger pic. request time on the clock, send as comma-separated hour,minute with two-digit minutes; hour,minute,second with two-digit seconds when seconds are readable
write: 5,21
